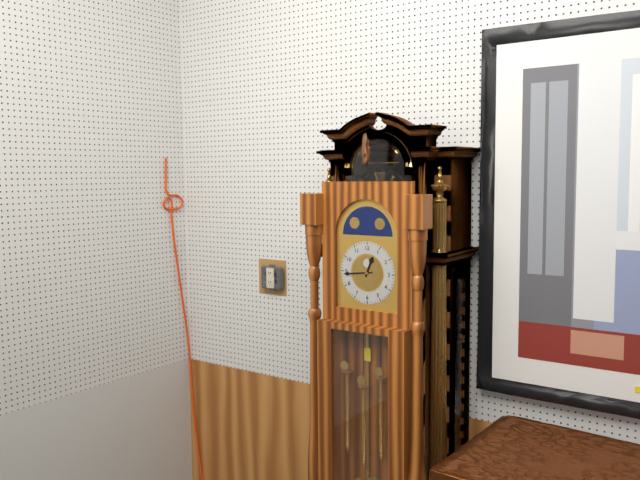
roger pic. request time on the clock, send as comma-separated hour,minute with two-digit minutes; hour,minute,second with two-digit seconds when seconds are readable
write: 12,44
